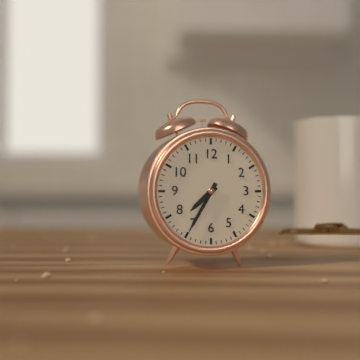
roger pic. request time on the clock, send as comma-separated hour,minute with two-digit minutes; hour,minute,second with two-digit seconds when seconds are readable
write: 7,35
